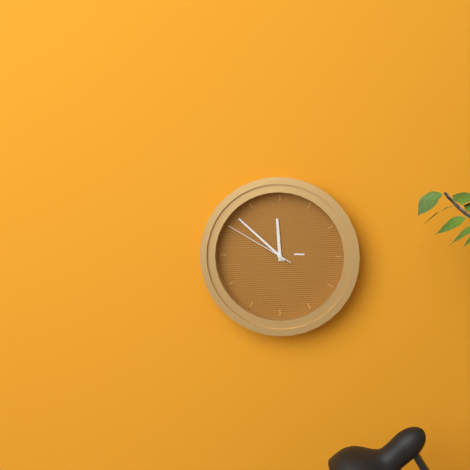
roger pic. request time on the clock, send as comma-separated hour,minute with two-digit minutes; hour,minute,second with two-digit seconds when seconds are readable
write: 11,52,50
